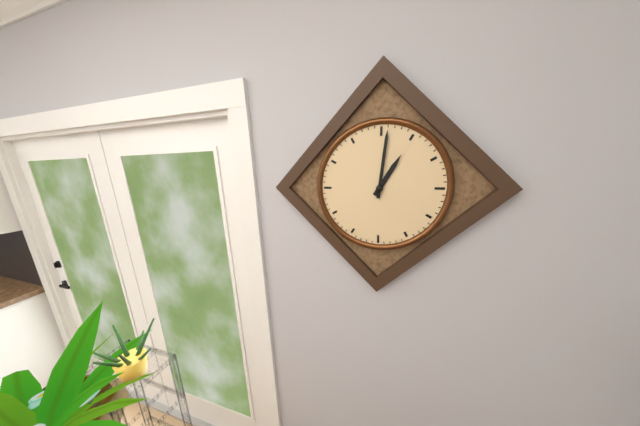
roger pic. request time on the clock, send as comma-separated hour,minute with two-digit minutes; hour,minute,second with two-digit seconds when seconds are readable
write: 1,01
